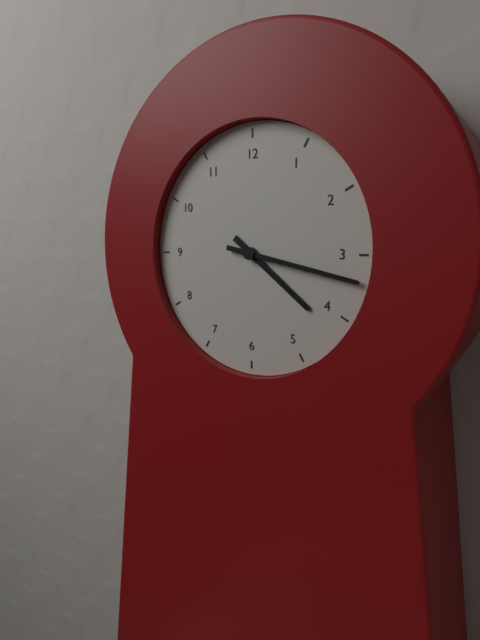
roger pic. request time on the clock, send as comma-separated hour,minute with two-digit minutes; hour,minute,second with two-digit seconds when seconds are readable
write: 4,17
